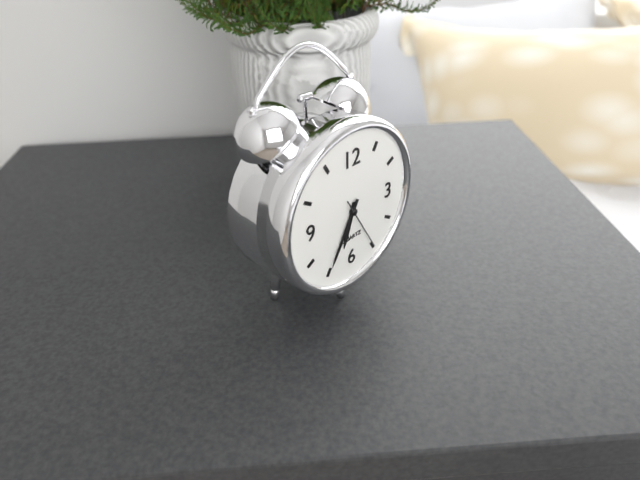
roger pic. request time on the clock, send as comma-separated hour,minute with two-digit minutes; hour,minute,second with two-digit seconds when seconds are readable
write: 6,35,25
